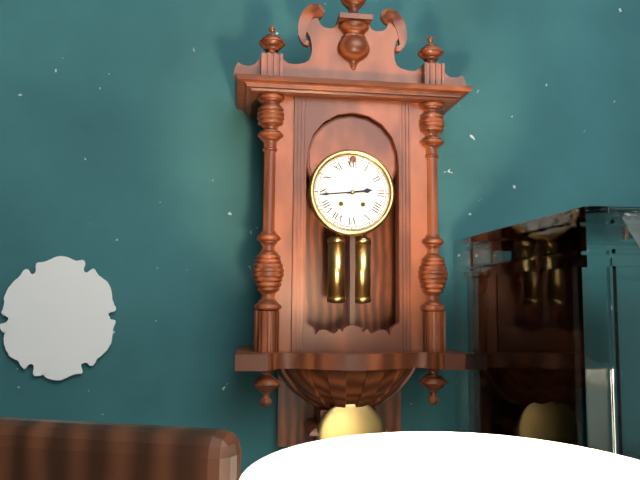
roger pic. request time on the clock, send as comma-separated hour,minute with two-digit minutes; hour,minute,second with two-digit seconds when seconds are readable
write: 2,44
